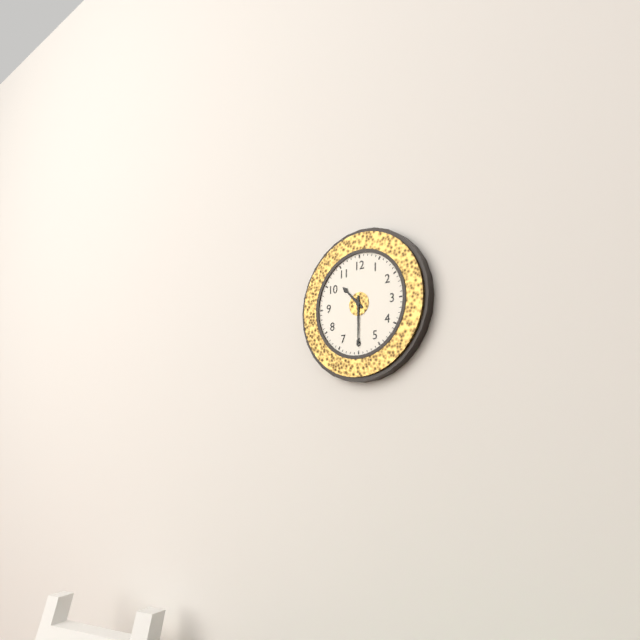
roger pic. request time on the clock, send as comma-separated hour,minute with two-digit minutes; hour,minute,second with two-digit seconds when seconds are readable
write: 10,30
